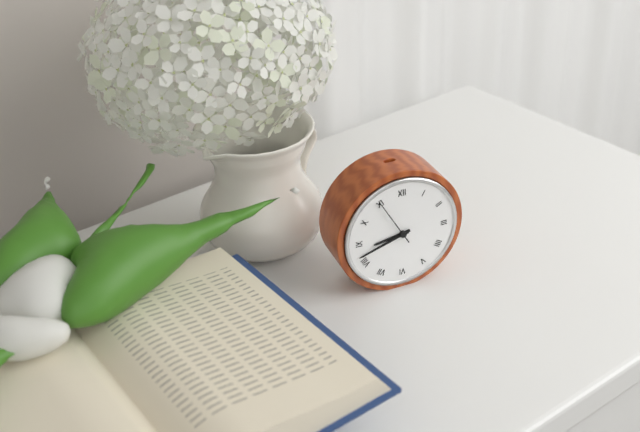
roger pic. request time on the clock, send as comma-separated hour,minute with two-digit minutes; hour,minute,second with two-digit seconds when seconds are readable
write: 8,42,55
